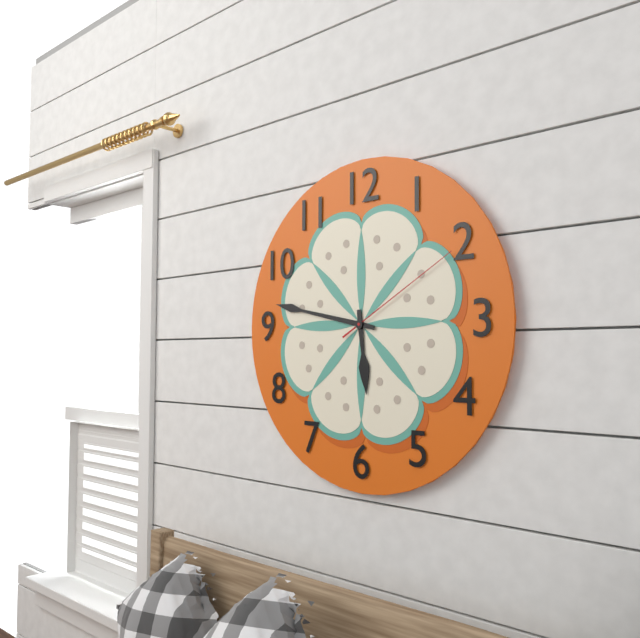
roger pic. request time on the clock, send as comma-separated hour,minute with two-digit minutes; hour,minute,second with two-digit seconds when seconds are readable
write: 5,47,10
